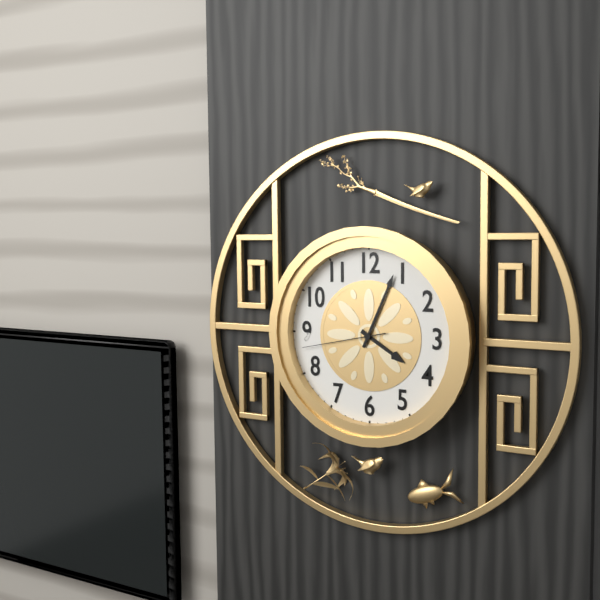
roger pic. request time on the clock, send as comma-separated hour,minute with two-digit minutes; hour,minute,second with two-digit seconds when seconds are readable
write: 4,04,43
